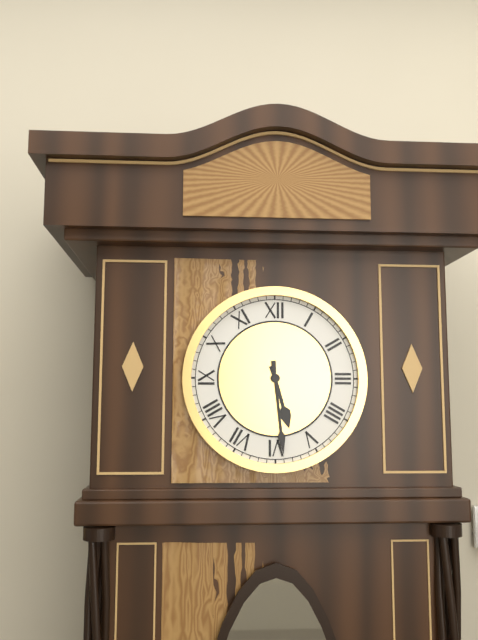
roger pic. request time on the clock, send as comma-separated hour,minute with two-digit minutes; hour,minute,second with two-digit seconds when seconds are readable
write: 5,29
